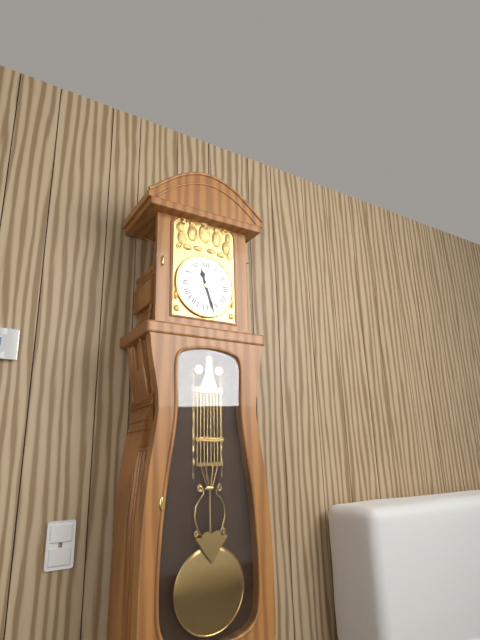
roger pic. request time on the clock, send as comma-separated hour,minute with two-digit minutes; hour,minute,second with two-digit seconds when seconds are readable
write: 11,27
